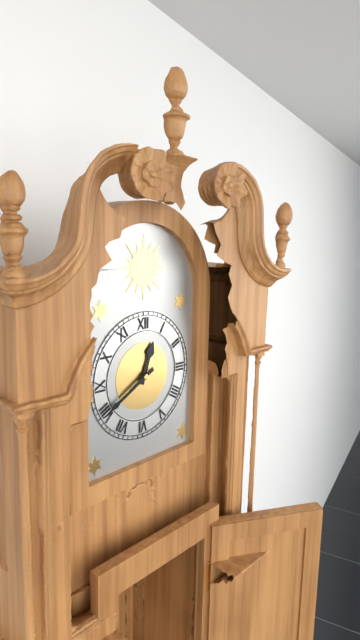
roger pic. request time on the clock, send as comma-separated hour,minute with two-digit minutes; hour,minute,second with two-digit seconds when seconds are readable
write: 12,40
